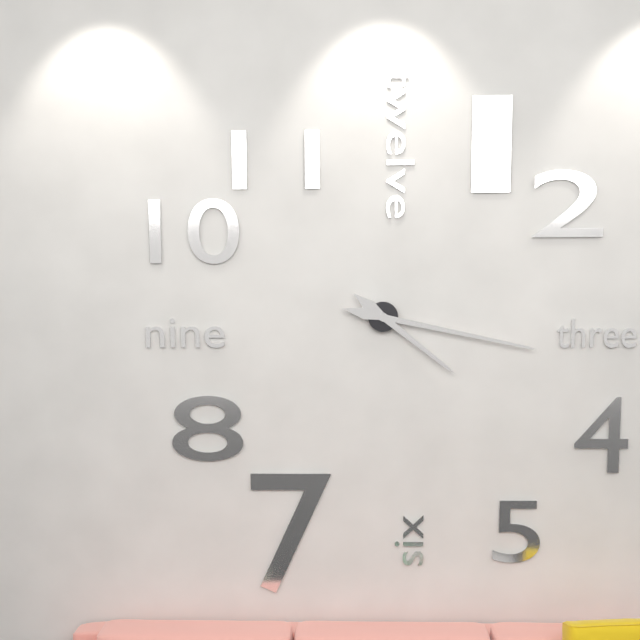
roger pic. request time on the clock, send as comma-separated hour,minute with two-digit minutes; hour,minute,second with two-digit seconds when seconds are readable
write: 4,17
